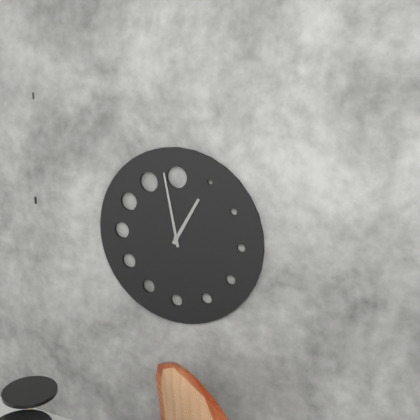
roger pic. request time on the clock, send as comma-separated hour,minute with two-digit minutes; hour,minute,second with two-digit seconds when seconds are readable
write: 12,58
